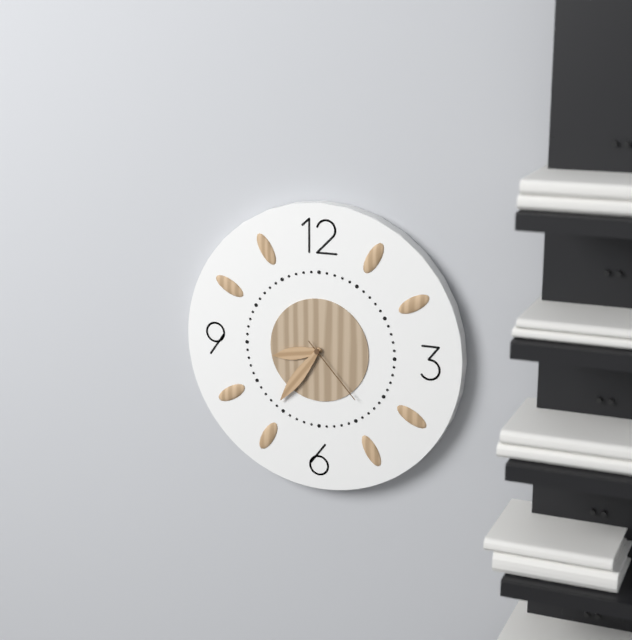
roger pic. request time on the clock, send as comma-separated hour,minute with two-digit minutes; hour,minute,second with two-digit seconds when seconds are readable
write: 8,36,23
